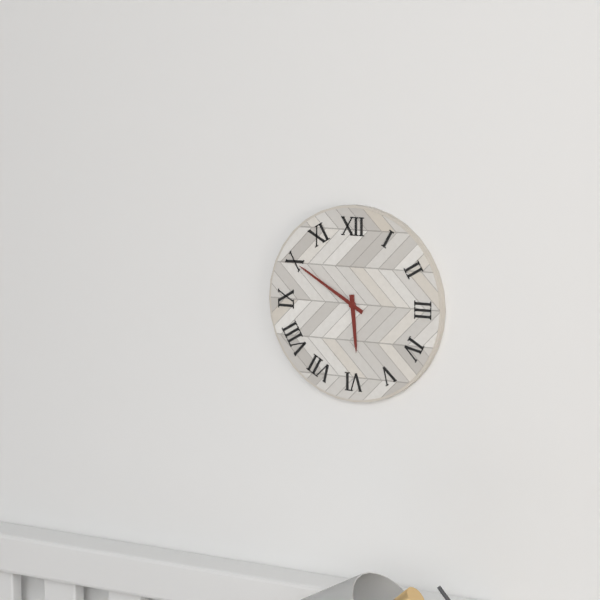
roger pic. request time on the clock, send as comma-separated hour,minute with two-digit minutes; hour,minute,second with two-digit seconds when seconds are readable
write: 5,50
